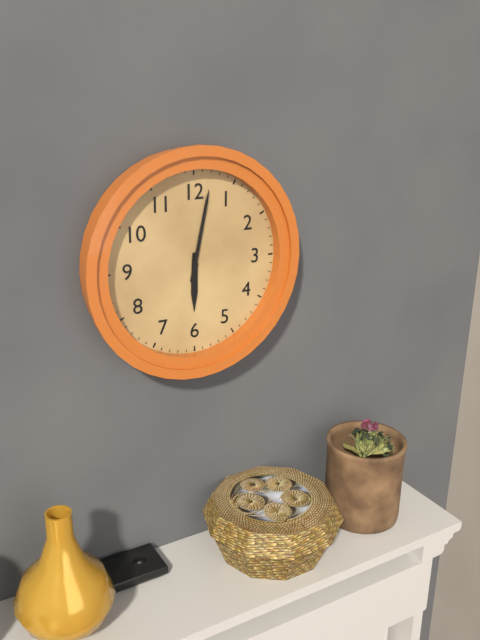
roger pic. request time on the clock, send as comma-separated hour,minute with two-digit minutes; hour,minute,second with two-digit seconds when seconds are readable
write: 6,02
